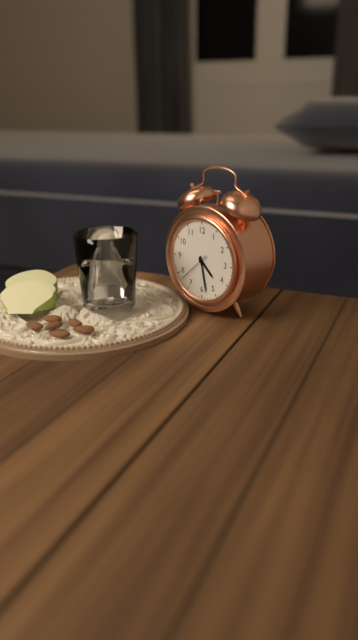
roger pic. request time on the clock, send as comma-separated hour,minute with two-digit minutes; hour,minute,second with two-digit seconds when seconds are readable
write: 4,28
